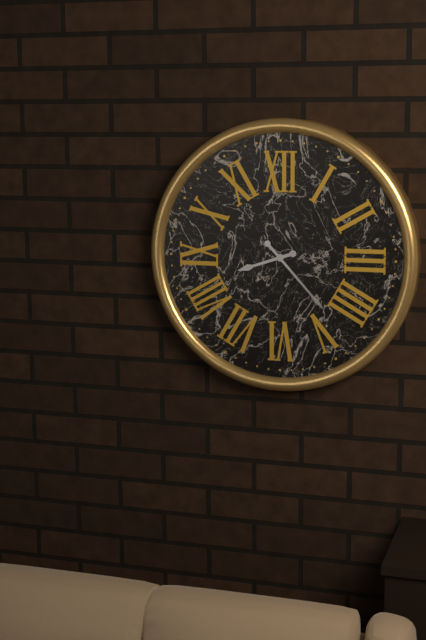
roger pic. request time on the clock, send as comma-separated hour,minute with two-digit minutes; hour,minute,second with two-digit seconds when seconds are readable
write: 8,23
